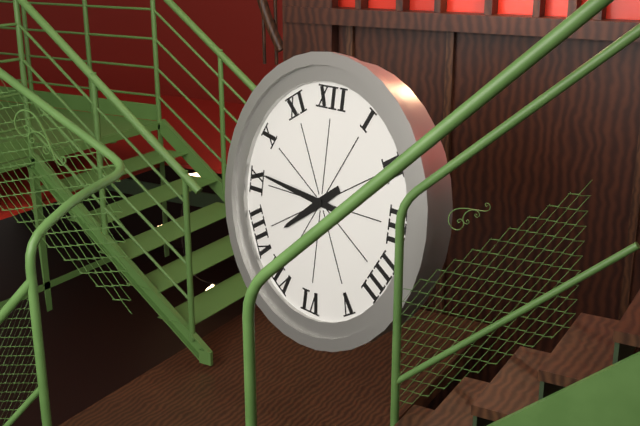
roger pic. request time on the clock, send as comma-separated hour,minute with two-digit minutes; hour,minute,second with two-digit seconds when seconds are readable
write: 7,46
